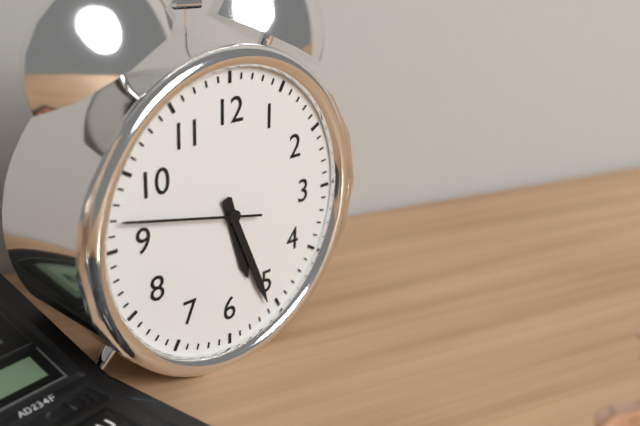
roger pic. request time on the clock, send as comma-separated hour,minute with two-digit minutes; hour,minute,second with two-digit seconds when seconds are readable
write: 5,26,47
